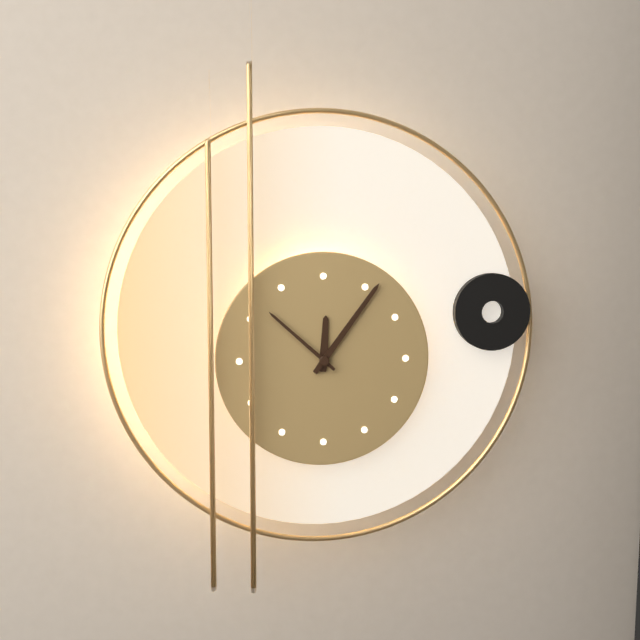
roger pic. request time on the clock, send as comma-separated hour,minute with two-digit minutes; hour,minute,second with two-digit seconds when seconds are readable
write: 12,06,52
